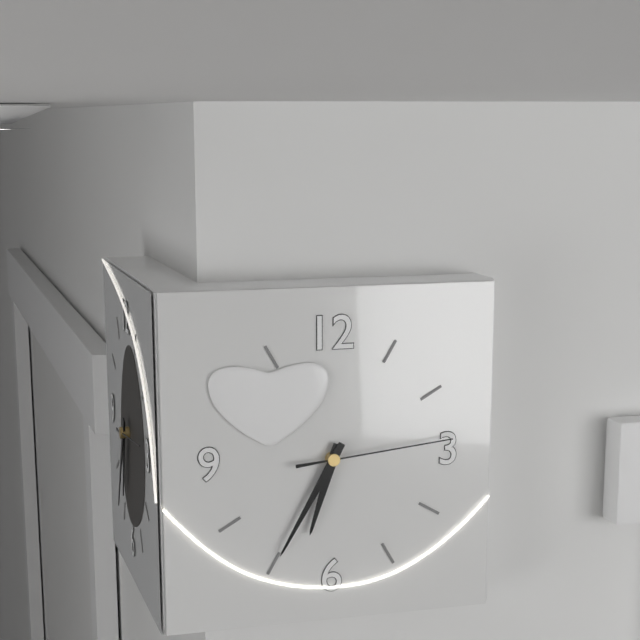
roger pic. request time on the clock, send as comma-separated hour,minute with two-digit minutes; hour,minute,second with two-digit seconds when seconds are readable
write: 6,35,14
